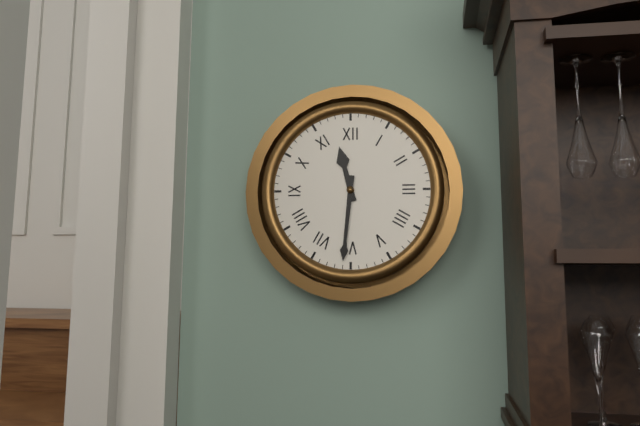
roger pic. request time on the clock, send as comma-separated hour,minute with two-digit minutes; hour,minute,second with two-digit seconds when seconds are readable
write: 11,31
